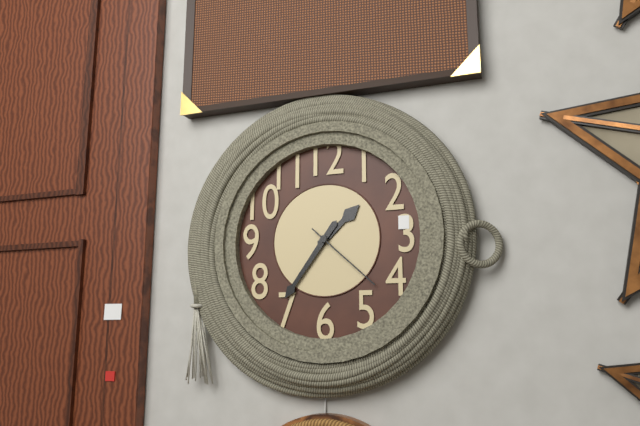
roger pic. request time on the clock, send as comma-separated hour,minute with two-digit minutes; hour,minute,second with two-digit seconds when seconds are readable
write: 1,36,22
